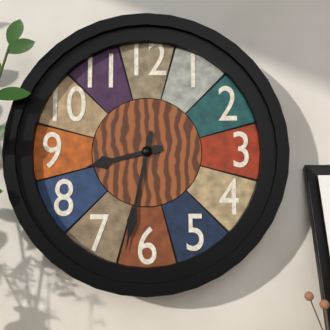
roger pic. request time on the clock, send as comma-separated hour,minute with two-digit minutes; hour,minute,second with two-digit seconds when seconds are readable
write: 8,32
